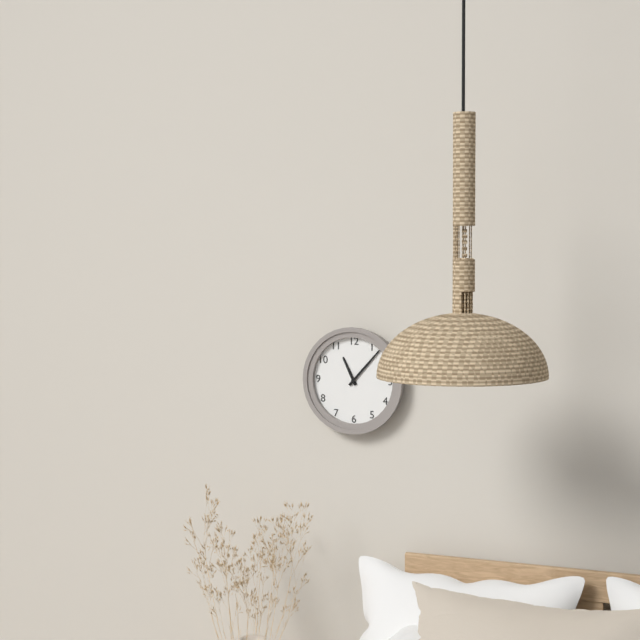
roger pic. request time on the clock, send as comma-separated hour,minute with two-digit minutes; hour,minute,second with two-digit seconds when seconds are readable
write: 11,07
